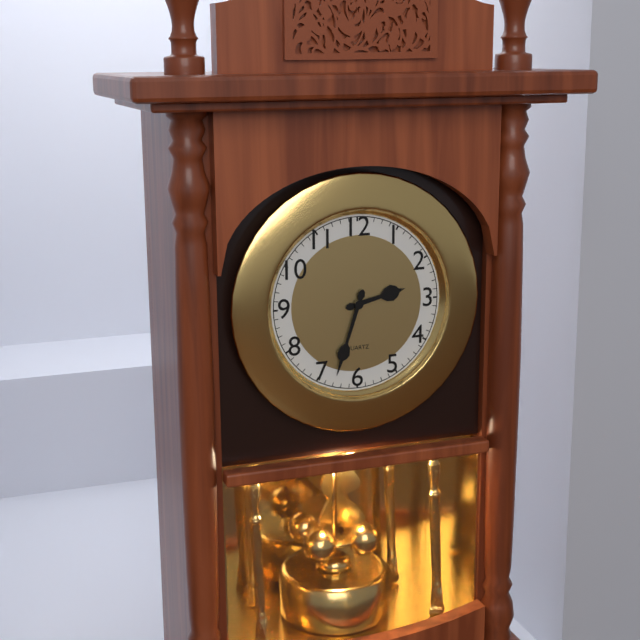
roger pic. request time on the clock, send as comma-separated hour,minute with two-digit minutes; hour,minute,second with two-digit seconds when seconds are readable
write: 2,33
